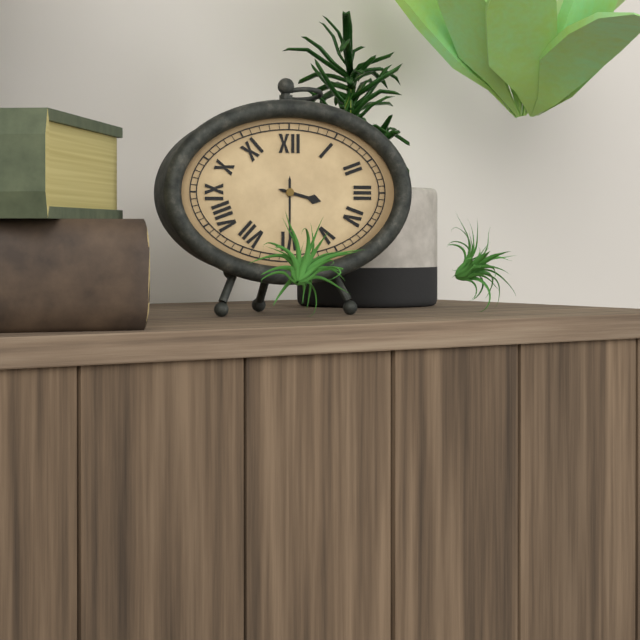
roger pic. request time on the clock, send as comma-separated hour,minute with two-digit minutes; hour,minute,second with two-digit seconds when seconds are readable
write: 3,30
